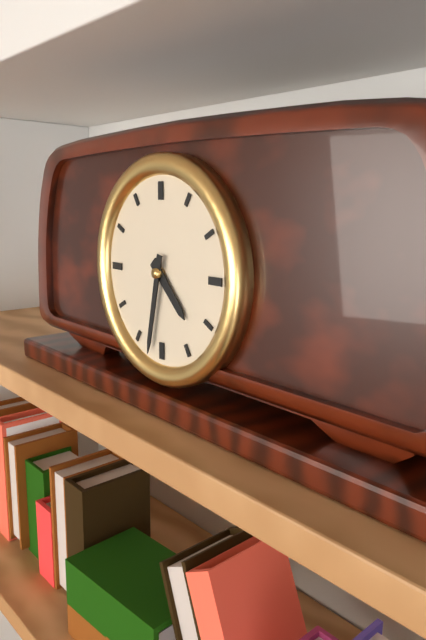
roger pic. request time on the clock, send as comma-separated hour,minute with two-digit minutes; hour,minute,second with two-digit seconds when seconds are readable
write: 4,32
